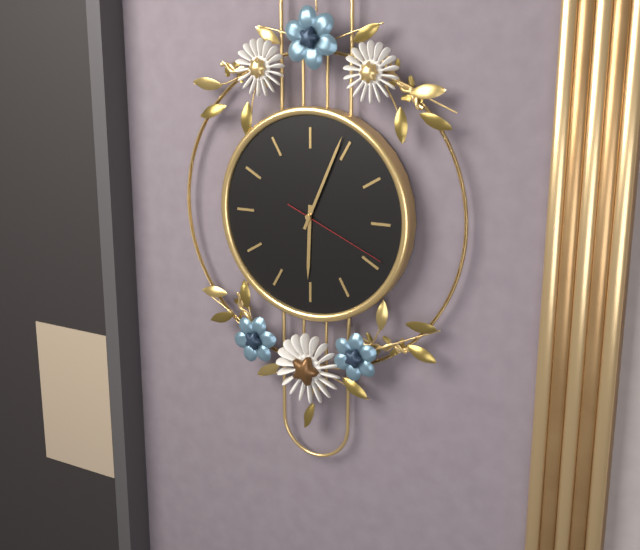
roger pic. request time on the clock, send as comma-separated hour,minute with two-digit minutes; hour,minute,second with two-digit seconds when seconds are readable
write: 6,04,19
